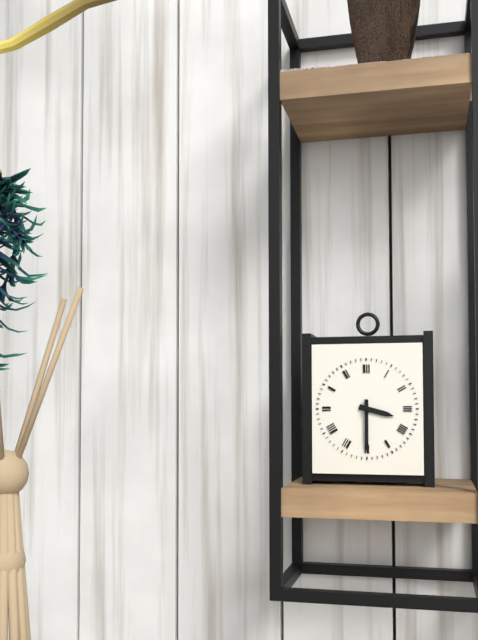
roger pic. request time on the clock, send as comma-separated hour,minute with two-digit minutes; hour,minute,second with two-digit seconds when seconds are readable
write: 3,30
